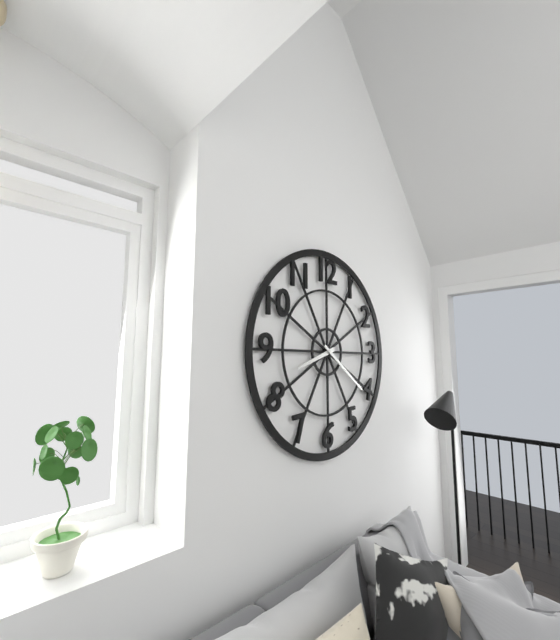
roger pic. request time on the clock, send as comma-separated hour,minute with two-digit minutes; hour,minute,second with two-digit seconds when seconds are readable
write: 8,21
